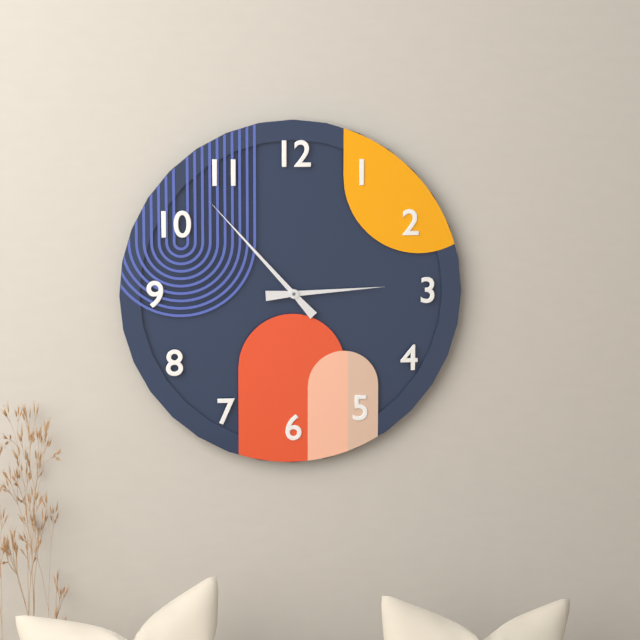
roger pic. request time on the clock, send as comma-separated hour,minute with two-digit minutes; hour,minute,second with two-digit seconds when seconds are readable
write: 2,53
